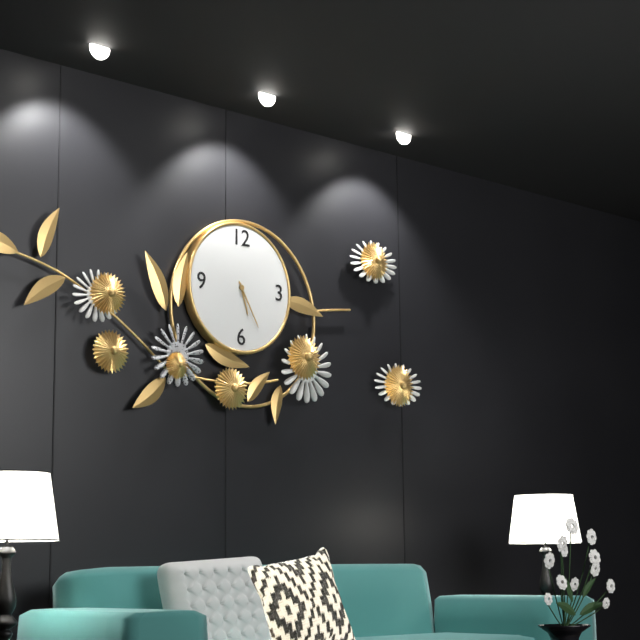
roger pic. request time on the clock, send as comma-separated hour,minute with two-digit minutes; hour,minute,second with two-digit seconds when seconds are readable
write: 5,25
